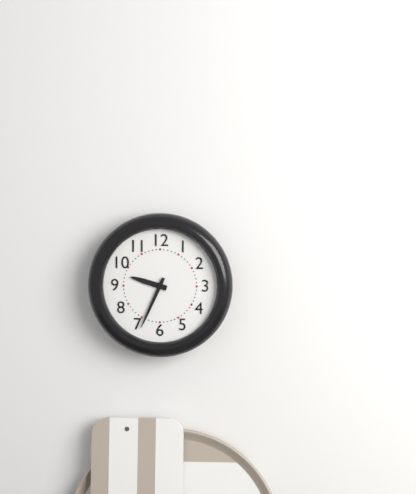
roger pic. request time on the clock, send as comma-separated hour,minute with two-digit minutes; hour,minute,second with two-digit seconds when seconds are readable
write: 9,34
